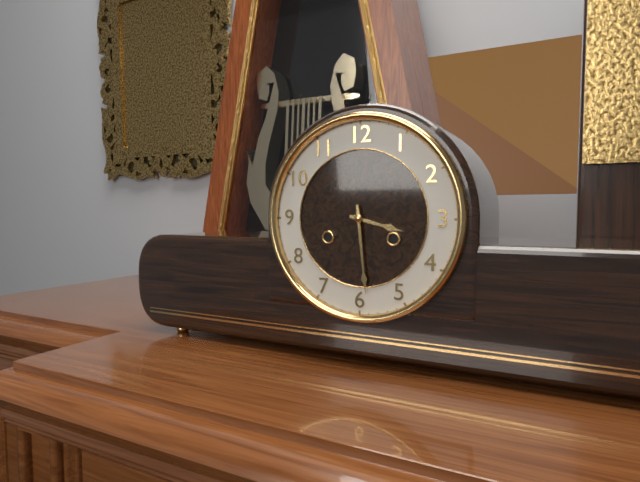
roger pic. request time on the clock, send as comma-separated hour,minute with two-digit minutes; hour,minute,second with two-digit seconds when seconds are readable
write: 3,29
